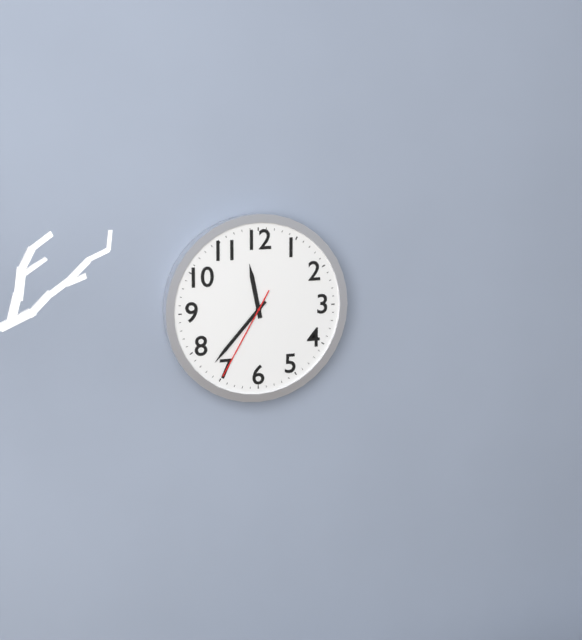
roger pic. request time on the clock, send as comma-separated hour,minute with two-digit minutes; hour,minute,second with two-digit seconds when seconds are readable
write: 11,37,35
